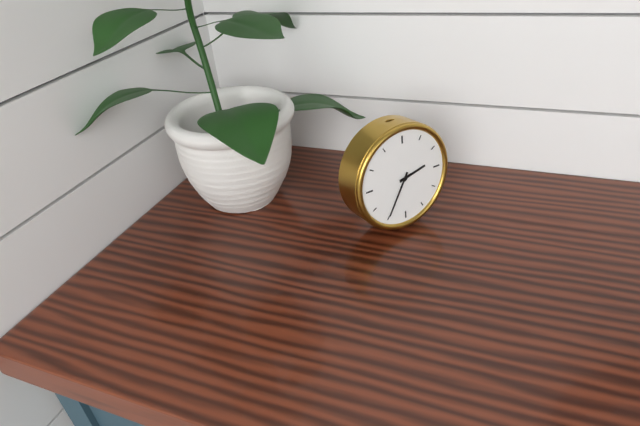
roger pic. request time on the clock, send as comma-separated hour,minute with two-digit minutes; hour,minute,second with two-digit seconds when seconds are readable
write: 2,35
